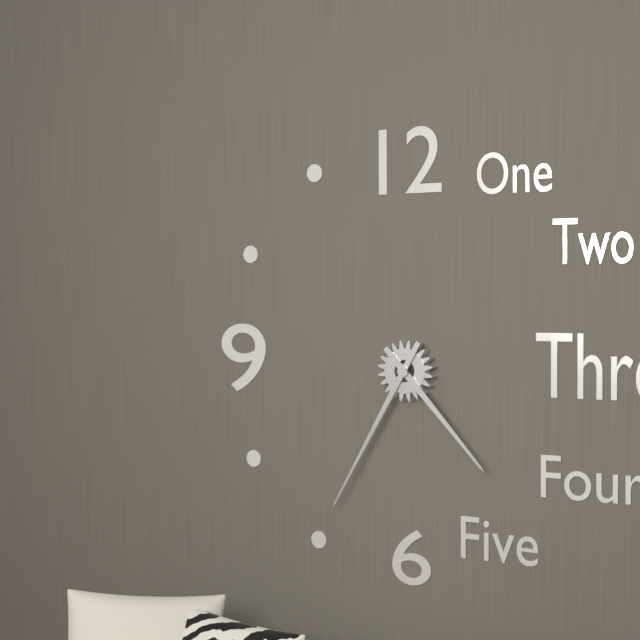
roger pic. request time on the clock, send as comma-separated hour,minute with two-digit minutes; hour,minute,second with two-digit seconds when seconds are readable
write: 4,35
